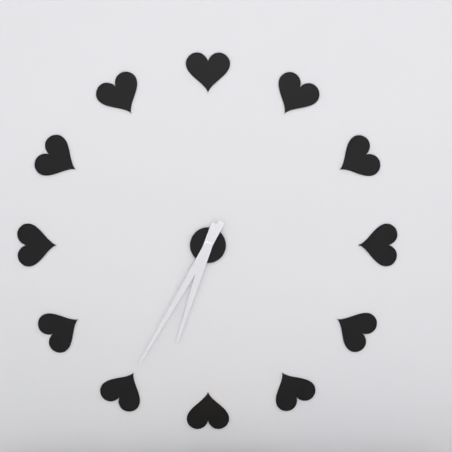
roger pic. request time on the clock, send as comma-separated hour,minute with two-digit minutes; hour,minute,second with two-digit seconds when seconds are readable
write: 6,35
